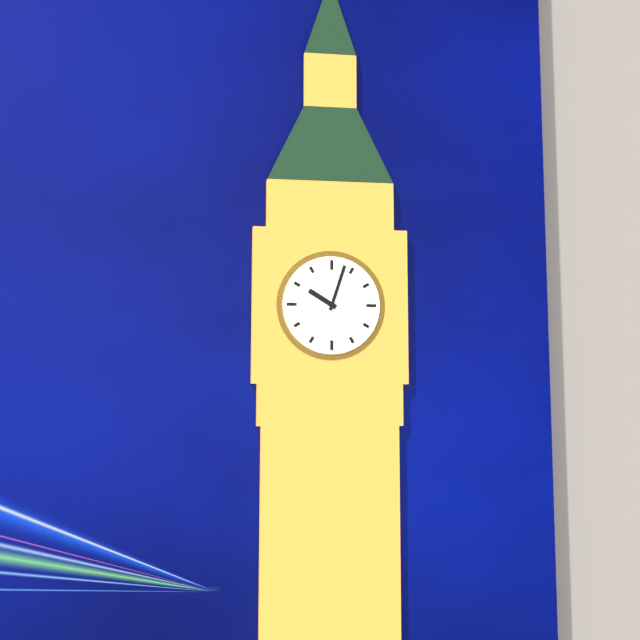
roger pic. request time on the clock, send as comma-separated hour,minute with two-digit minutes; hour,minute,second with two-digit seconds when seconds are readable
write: 10,03
